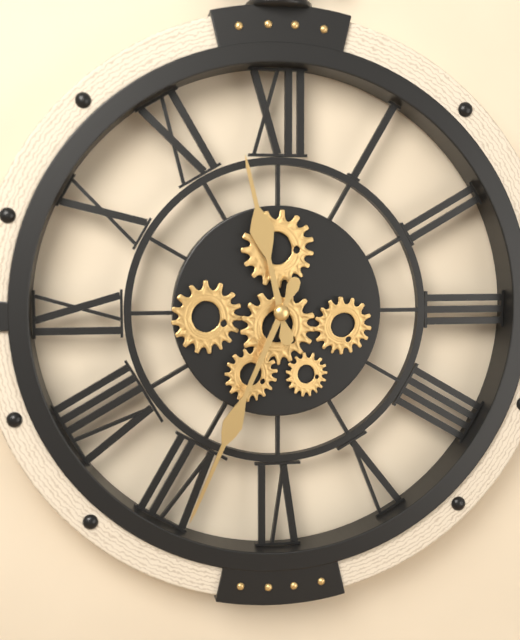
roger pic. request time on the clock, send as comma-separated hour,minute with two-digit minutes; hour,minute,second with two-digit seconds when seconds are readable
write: 11,34
